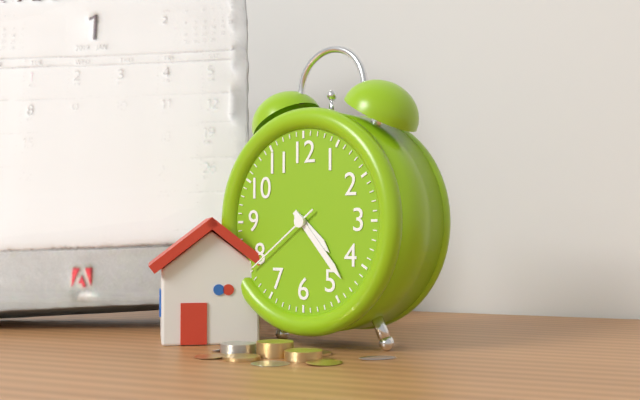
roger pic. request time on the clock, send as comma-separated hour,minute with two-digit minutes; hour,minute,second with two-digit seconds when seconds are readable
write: 4,23,39
